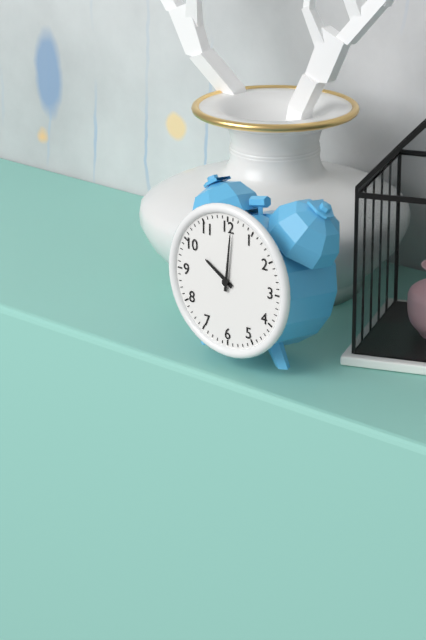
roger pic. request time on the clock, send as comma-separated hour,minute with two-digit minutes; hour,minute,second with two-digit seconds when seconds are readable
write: 10,01
